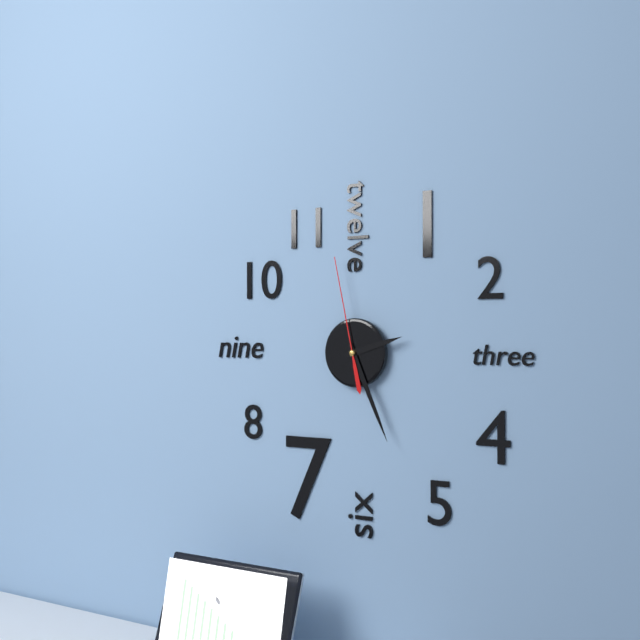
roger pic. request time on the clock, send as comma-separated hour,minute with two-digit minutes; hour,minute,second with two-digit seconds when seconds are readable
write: 2,26,58
